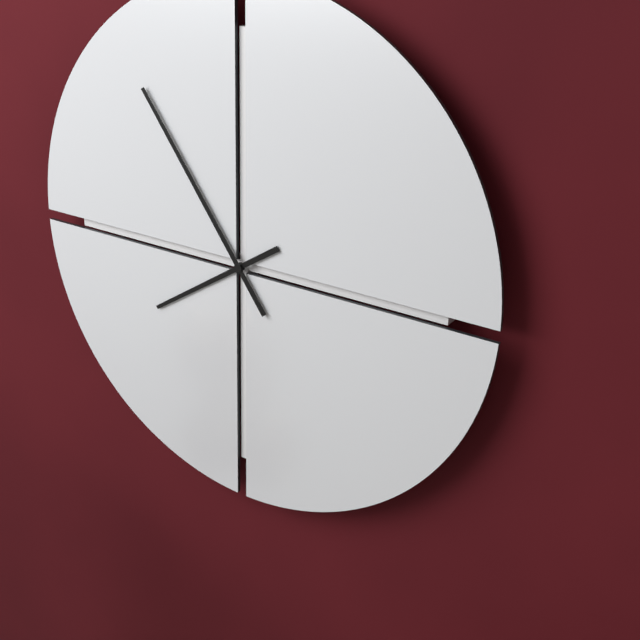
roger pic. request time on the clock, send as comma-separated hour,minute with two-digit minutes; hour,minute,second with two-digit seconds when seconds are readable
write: 7,54
